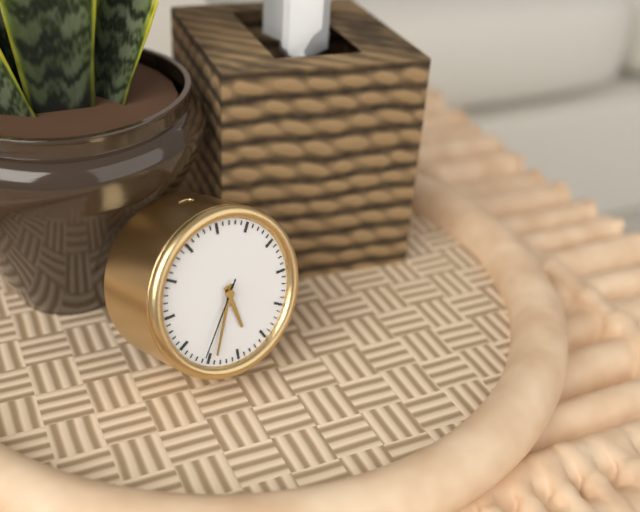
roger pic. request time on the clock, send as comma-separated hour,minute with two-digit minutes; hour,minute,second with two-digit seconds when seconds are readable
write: 5,34,36
